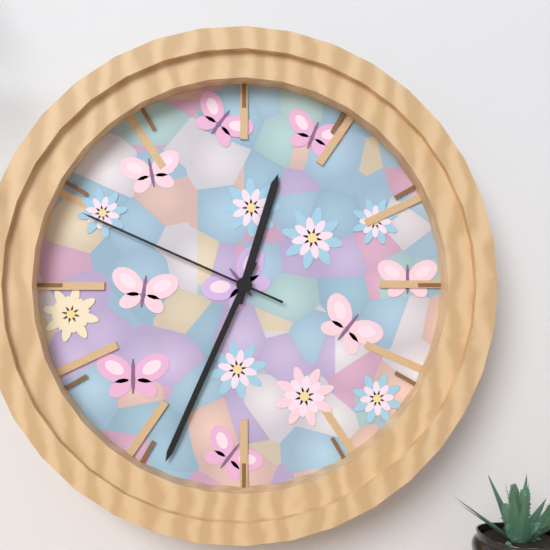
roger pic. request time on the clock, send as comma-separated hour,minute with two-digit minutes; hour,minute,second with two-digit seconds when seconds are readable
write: 12,34,49
